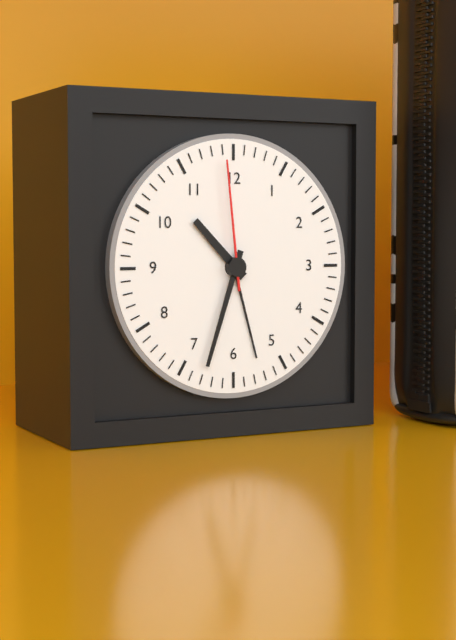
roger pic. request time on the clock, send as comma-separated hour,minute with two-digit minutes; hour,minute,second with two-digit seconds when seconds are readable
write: 10,33,59
